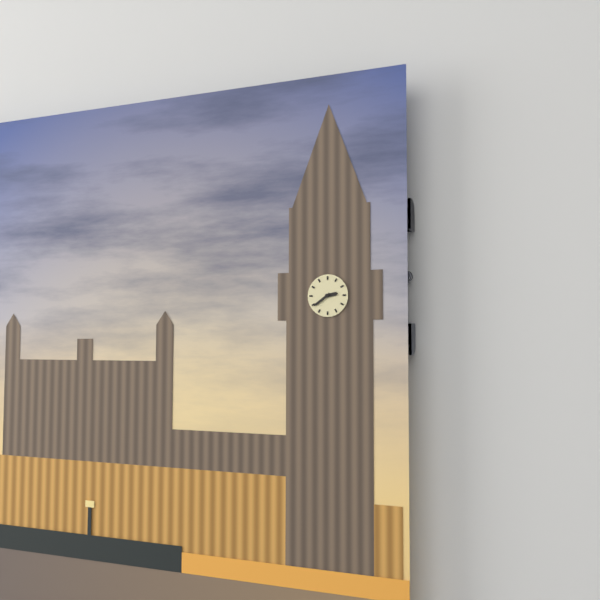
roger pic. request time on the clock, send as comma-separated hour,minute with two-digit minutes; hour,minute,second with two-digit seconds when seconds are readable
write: 2,39
